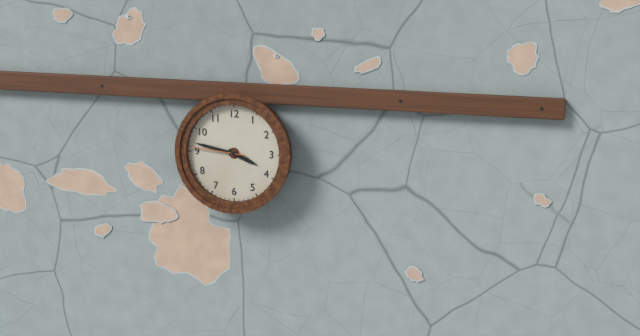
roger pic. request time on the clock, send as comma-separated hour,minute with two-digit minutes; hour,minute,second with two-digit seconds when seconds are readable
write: 3,47,46
